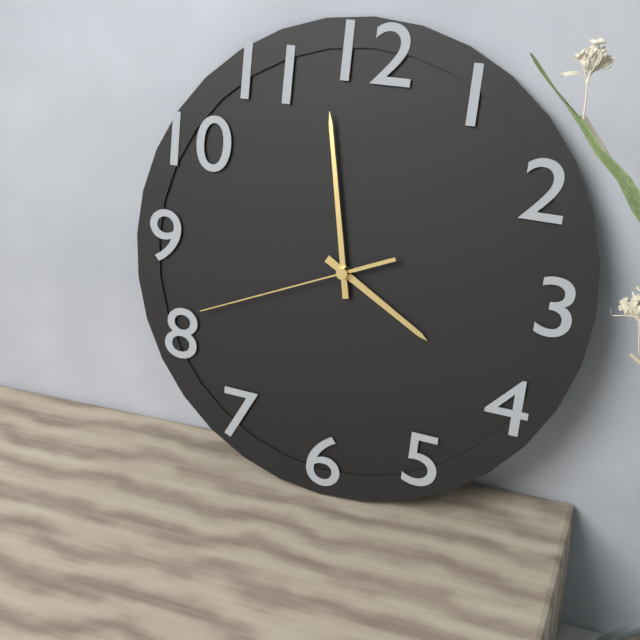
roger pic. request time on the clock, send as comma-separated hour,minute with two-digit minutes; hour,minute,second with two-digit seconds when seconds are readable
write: 3,58,41
